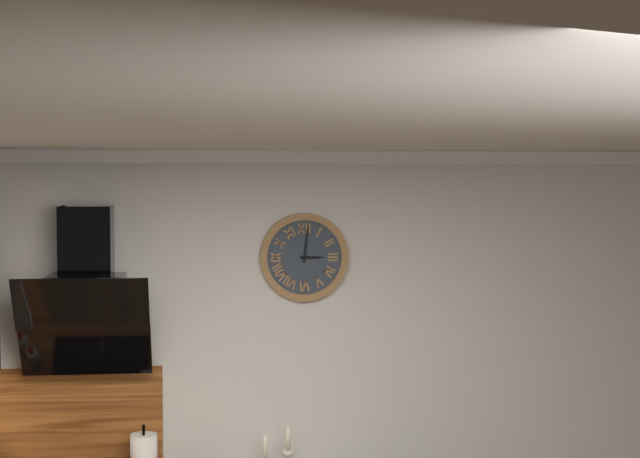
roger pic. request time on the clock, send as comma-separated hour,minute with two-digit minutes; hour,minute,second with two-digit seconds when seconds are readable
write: 3,01
